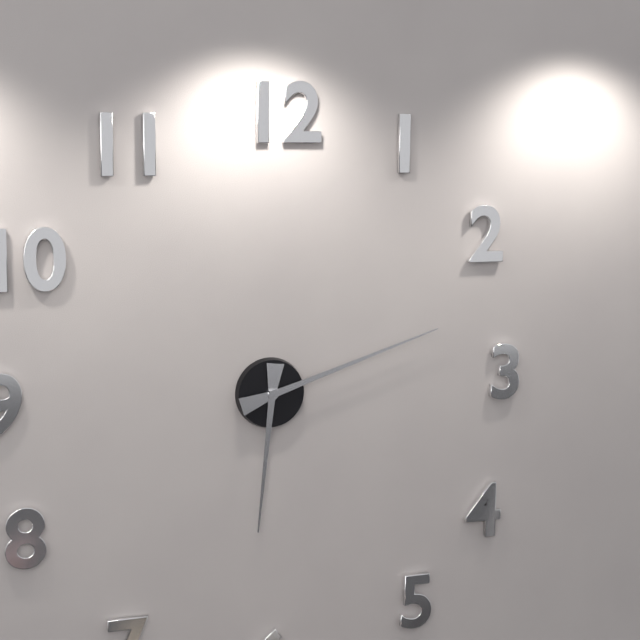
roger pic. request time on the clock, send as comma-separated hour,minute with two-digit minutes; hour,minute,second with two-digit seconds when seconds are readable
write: 6,12
